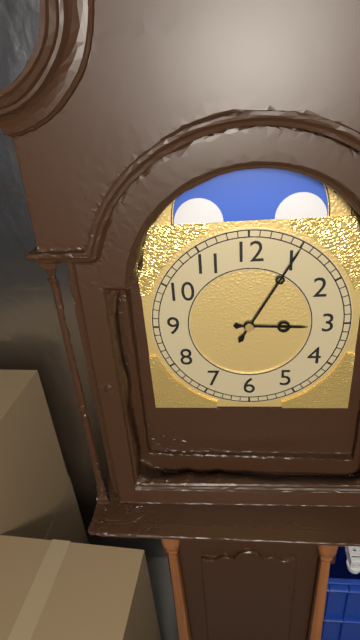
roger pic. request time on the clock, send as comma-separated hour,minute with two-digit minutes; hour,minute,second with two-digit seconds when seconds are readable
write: 3,05
